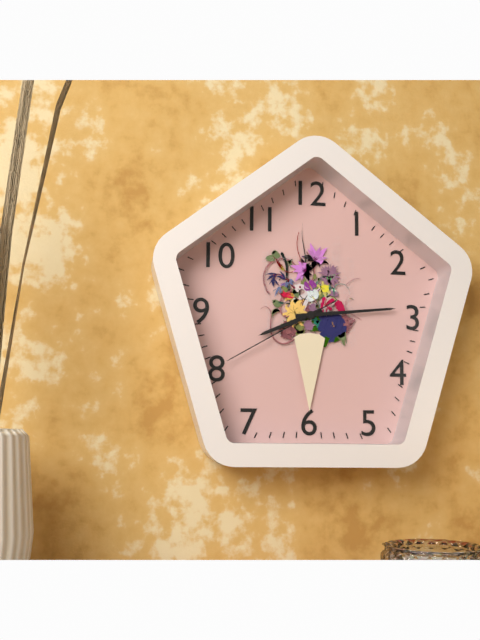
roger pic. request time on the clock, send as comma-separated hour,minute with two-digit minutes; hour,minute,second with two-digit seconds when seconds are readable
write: 8,14,40
